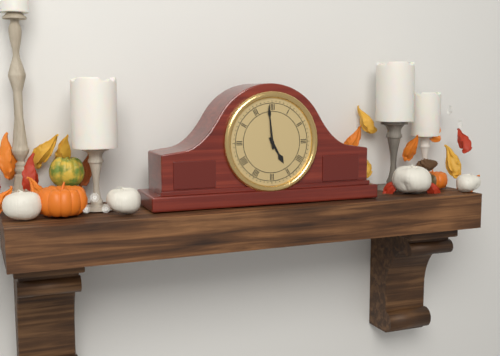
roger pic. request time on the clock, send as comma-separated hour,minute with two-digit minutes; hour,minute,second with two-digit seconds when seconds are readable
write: 4,59
